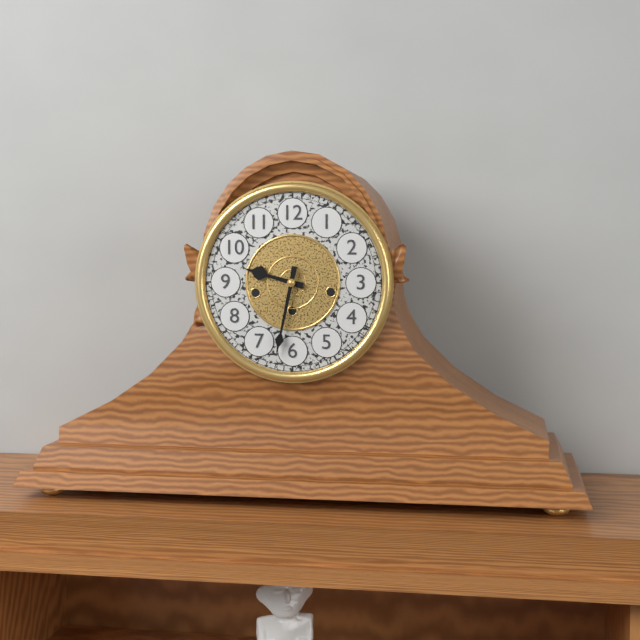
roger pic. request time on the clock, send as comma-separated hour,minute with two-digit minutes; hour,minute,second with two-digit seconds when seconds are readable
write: 9,32
